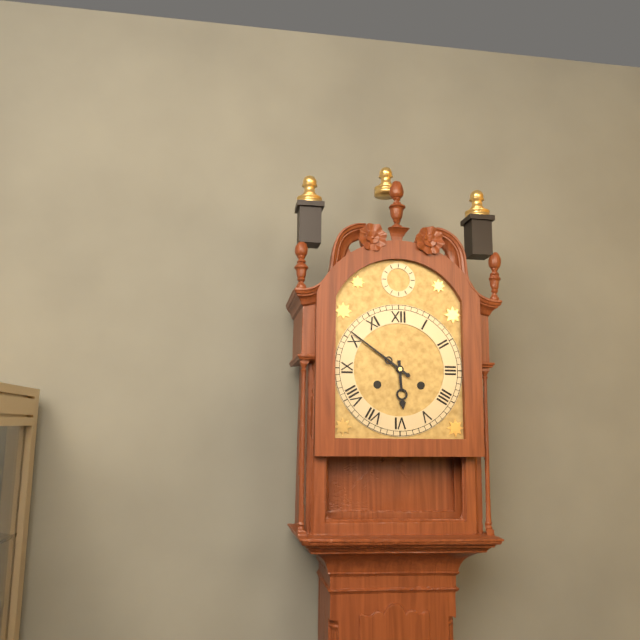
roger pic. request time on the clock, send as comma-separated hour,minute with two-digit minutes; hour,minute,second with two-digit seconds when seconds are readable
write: 5,51
